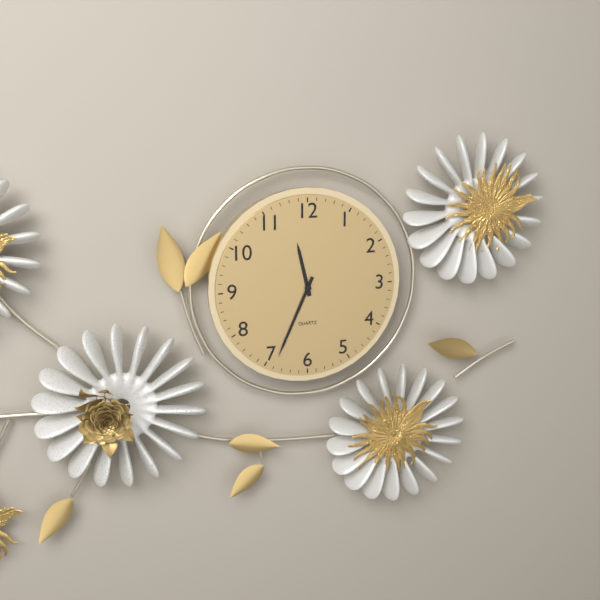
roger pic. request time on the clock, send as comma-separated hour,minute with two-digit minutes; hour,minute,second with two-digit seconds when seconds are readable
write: 11,34
